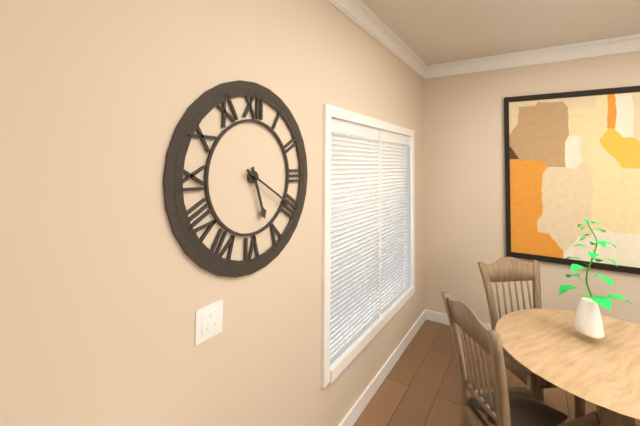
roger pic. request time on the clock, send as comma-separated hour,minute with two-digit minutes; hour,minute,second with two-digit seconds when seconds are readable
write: 5,20
